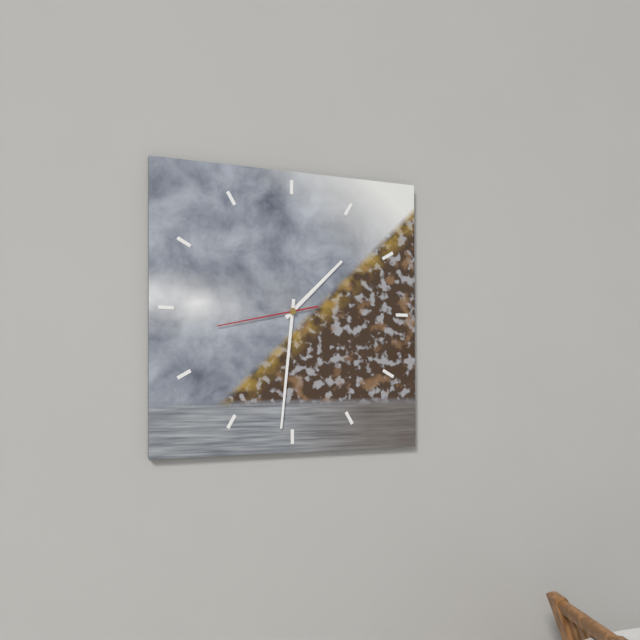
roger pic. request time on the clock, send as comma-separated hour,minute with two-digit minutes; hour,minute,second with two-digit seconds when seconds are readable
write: 1,31,43
